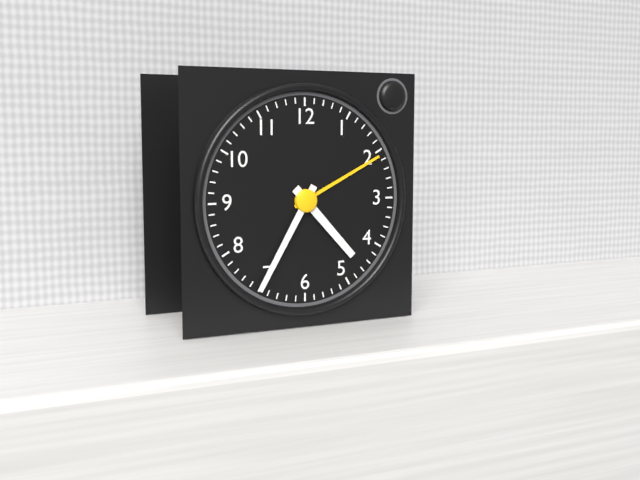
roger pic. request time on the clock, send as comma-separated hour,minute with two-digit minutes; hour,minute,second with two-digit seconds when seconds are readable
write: 4,35
